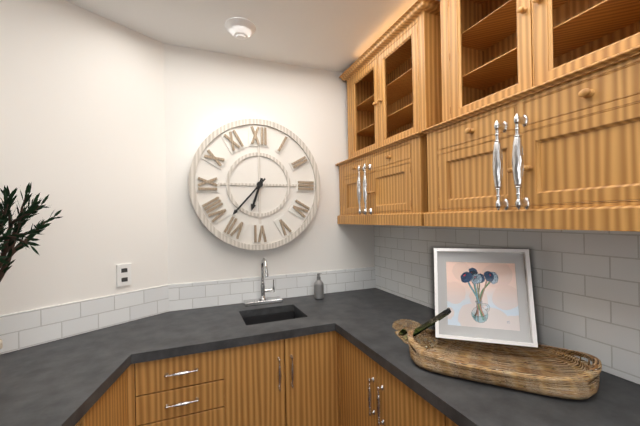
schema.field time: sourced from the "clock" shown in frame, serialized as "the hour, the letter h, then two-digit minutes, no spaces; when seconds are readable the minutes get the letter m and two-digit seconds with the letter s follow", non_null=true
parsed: 6h37
